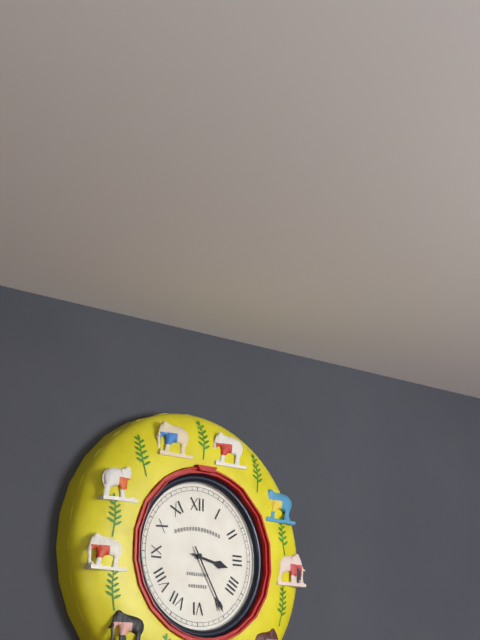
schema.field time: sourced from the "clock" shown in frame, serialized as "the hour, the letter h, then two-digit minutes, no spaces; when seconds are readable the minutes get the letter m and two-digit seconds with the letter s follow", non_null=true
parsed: 3h25
